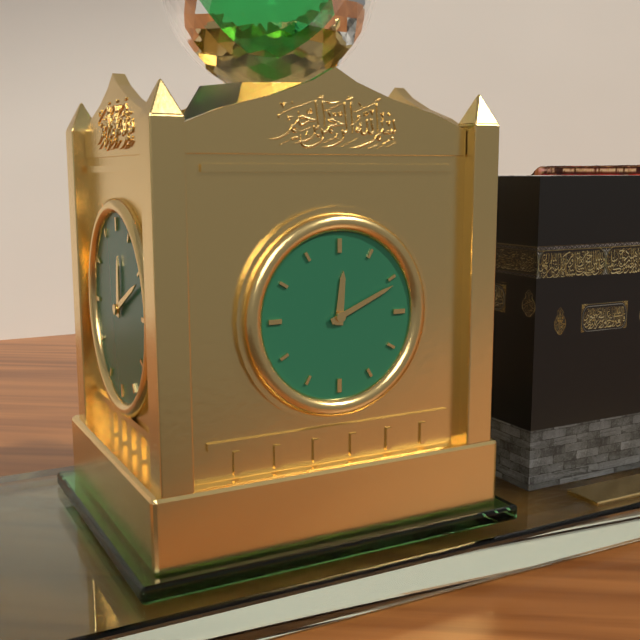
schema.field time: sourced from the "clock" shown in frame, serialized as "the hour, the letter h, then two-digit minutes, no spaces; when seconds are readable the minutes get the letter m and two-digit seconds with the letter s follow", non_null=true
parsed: 12h11
